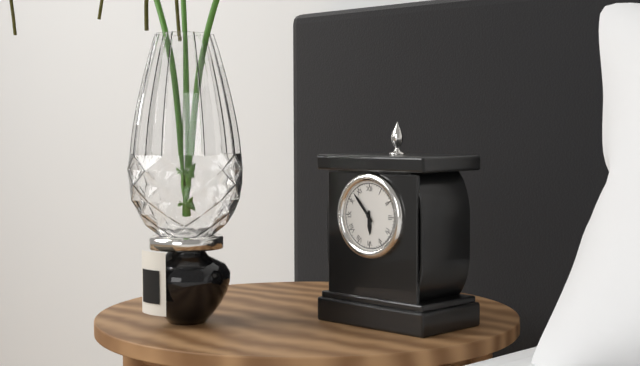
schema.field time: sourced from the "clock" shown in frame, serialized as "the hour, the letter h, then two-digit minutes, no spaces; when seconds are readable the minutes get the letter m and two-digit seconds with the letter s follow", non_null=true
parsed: 5h53
